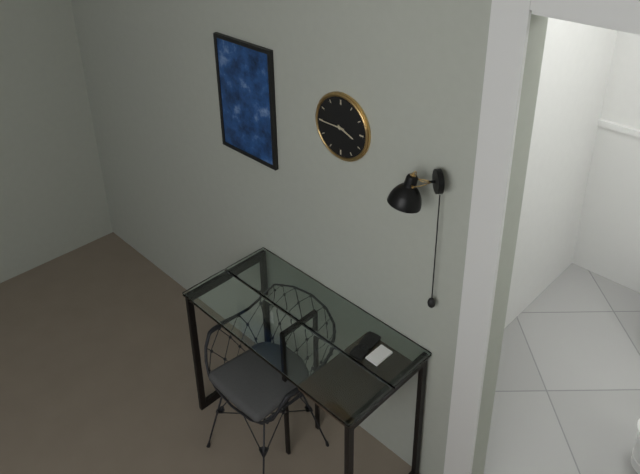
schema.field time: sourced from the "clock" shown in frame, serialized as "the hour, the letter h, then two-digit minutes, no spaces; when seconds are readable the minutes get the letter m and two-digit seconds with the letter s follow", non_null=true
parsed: 3h45
